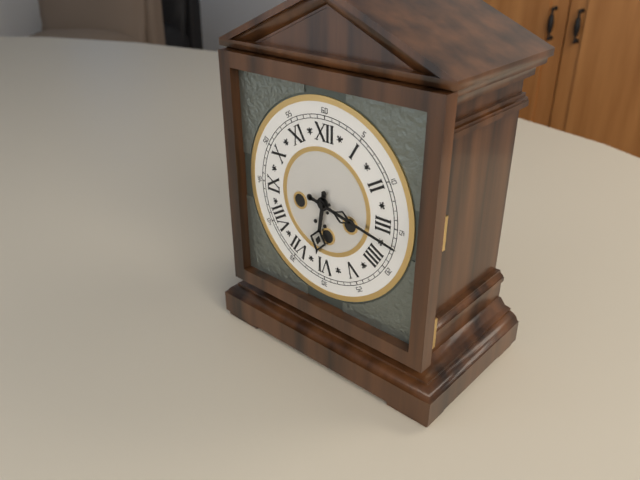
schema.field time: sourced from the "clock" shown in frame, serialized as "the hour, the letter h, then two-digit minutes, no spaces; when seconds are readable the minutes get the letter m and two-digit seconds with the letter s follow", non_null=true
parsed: 6h17
